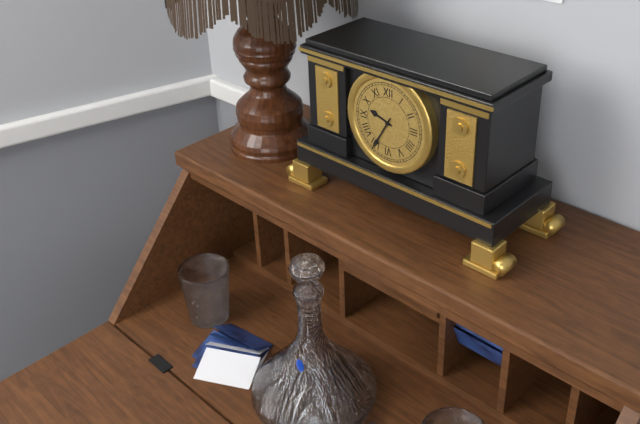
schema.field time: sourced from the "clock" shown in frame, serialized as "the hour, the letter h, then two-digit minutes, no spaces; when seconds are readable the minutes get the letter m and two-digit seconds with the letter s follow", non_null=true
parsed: 9h35
